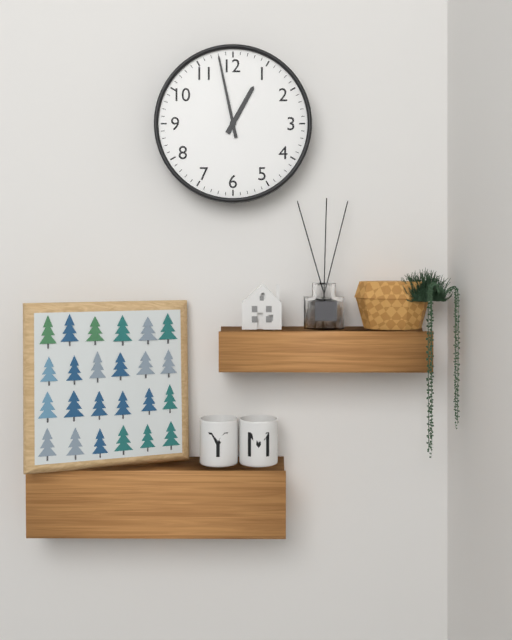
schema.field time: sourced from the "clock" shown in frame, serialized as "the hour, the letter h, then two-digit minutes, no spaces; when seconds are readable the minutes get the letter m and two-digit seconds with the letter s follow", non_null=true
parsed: 12h58
